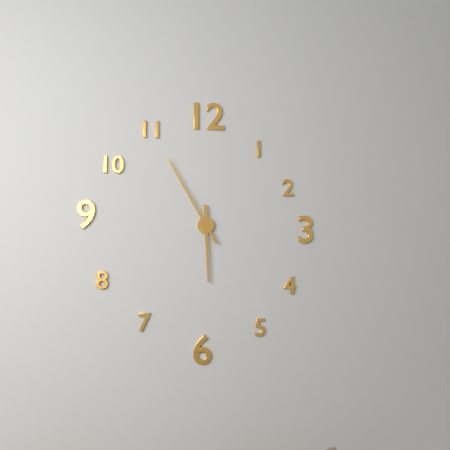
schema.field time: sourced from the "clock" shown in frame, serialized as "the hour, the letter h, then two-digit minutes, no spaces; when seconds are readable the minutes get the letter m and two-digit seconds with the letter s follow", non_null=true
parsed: 5h55
